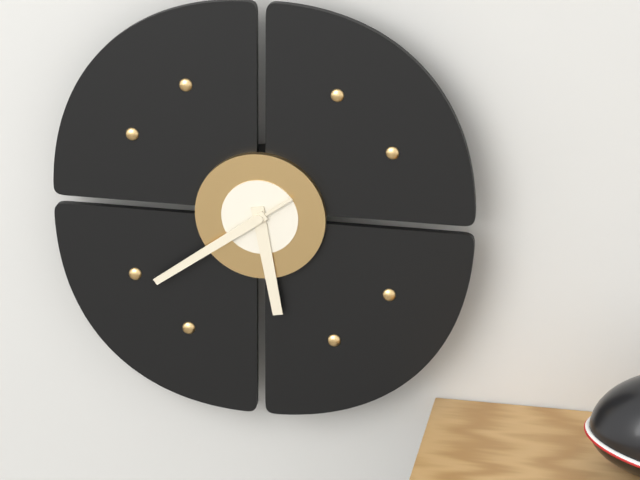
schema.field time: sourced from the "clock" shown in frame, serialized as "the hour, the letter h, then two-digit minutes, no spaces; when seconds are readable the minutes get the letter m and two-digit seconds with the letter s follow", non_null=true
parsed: 5h39
